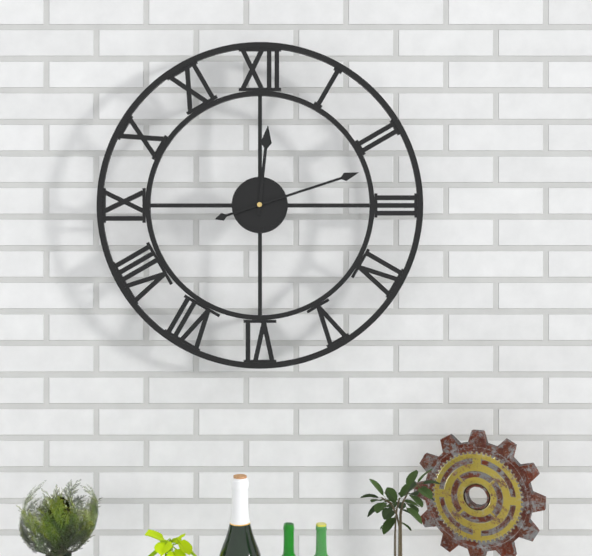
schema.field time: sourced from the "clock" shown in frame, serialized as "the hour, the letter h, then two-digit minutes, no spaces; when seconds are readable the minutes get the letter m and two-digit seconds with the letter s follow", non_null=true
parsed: 12h12
